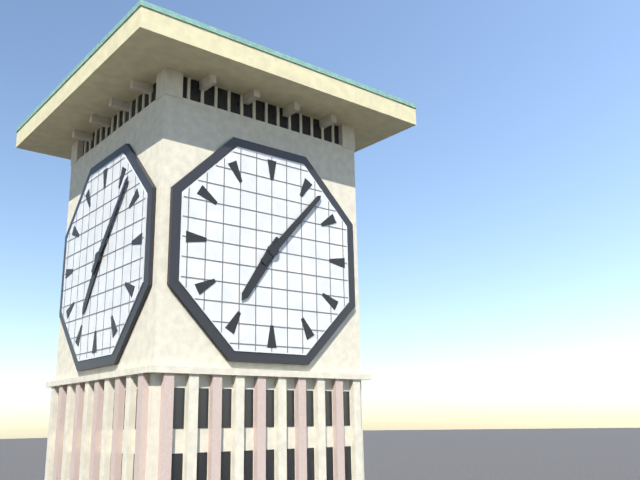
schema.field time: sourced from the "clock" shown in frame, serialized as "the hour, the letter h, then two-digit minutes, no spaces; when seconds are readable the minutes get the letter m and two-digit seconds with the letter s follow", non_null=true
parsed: 7h07
